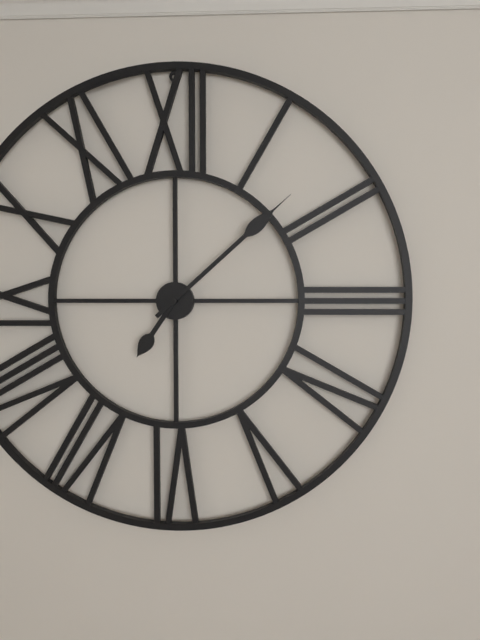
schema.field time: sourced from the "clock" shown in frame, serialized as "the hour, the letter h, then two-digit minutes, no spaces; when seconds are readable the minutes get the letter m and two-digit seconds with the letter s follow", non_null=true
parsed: 7h08
